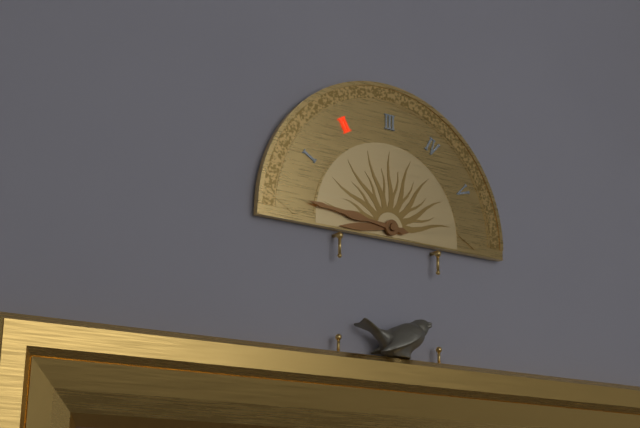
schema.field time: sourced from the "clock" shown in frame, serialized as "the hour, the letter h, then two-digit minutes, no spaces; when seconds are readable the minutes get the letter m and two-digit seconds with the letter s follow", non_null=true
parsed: 8h46
